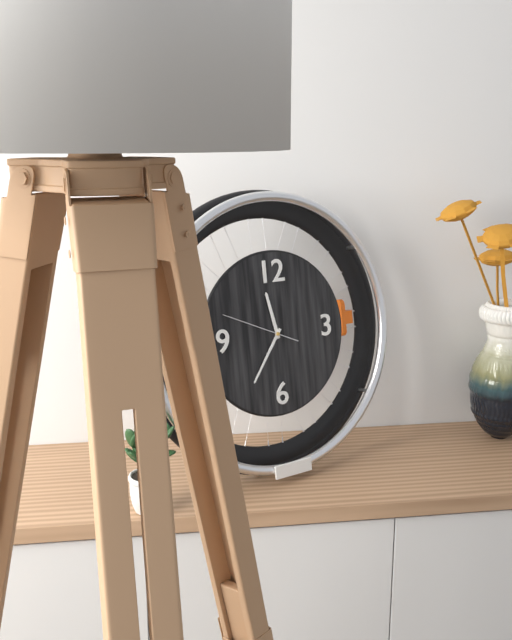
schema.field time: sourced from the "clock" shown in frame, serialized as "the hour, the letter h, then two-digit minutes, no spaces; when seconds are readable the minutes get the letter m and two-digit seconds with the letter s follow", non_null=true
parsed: 11h36m49s
